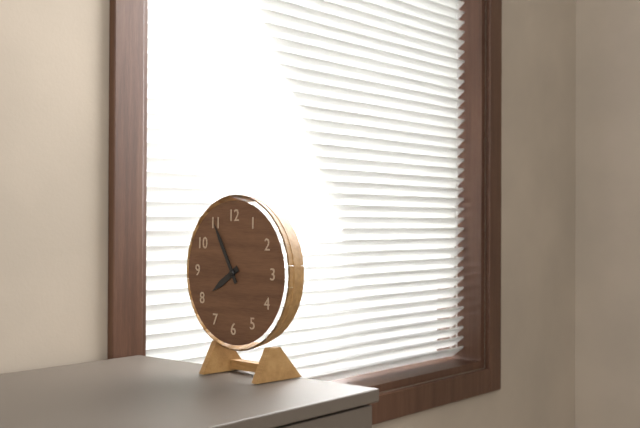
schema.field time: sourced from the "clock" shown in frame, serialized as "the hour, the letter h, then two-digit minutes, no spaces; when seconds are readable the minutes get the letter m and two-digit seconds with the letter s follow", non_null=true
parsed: 7h55
